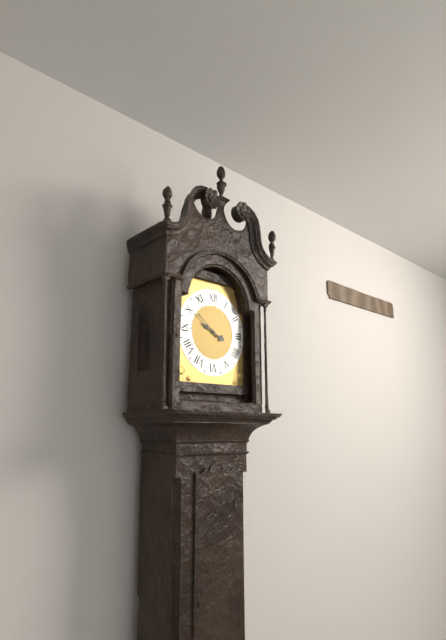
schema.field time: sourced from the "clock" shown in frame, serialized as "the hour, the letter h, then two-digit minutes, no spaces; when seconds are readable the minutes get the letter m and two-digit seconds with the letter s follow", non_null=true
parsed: 9h51
